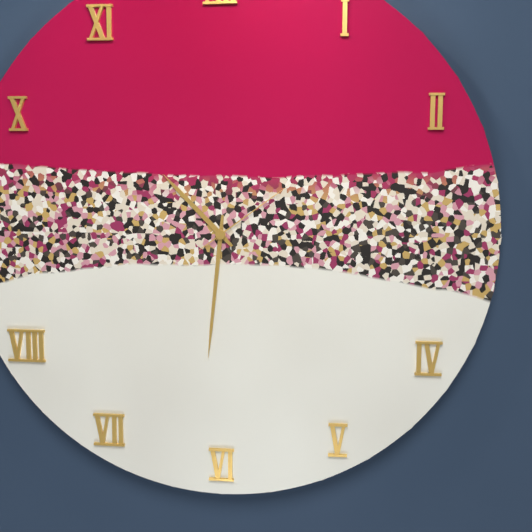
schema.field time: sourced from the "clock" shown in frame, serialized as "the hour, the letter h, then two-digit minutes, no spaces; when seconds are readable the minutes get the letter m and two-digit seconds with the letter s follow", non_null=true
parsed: 10h31m09s
